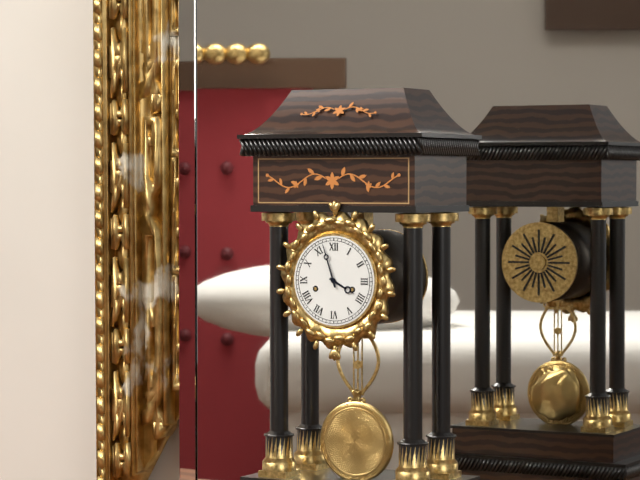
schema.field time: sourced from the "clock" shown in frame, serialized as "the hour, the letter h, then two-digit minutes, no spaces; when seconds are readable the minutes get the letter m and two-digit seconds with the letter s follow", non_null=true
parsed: 3h57
